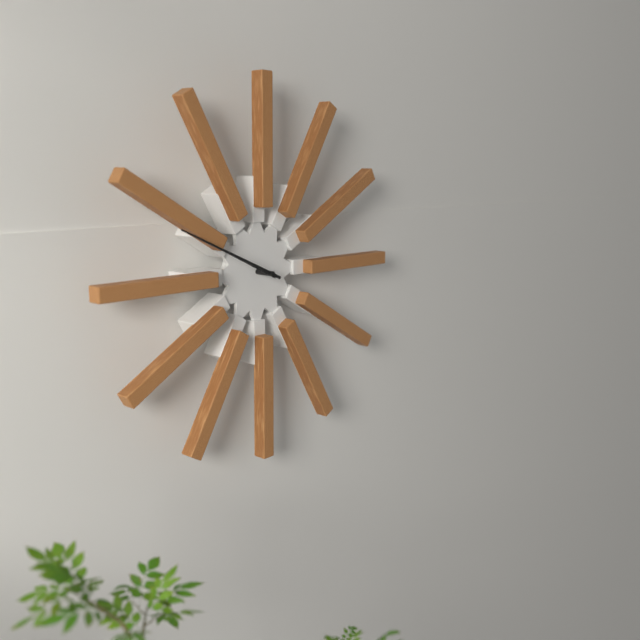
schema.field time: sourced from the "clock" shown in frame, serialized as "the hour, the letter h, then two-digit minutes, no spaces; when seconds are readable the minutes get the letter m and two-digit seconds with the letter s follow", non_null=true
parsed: 9h49
